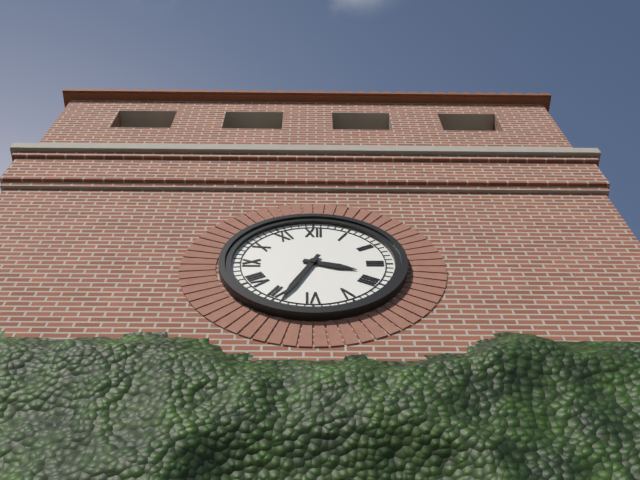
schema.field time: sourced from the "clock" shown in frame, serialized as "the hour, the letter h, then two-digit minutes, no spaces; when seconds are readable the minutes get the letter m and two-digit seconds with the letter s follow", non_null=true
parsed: 3h34
